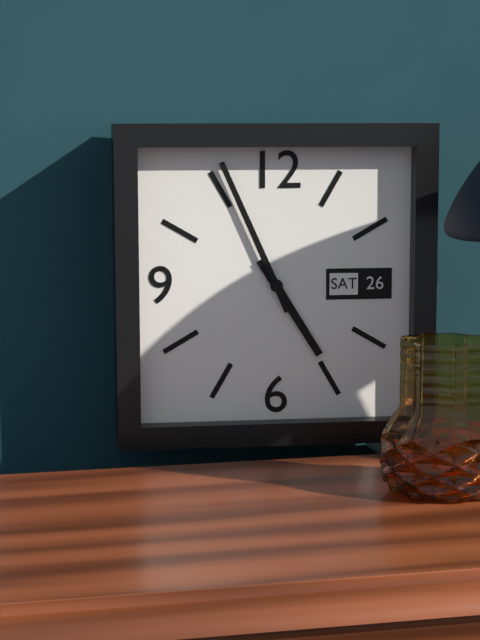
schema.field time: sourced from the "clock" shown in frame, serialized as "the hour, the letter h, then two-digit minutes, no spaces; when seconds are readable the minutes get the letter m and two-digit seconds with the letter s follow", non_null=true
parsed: 4h56
